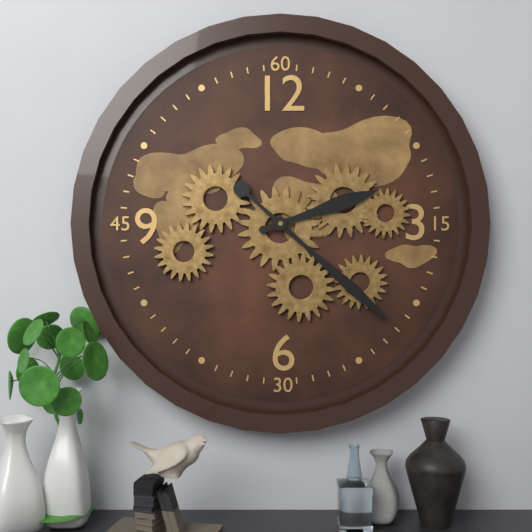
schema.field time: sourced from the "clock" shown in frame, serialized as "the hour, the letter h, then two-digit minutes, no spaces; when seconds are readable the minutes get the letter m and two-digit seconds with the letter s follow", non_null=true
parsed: 2h22
